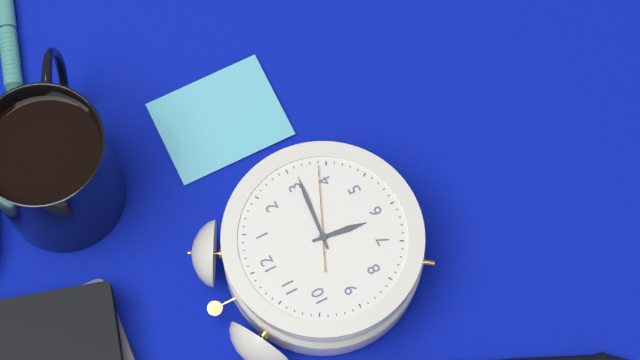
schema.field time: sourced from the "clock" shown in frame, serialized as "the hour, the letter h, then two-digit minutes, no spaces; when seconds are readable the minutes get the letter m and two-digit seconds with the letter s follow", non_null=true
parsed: 6h16m19s
